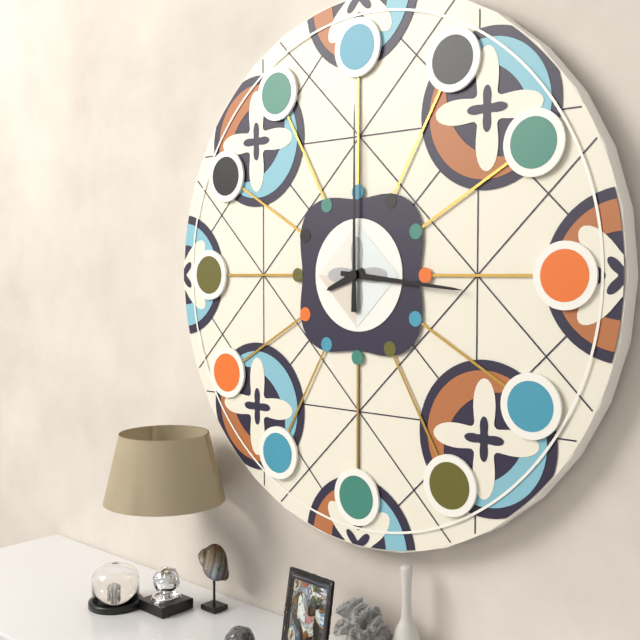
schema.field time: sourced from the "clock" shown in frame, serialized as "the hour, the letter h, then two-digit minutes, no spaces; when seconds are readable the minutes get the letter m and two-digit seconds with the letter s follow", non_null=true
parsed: 8h16m00s
